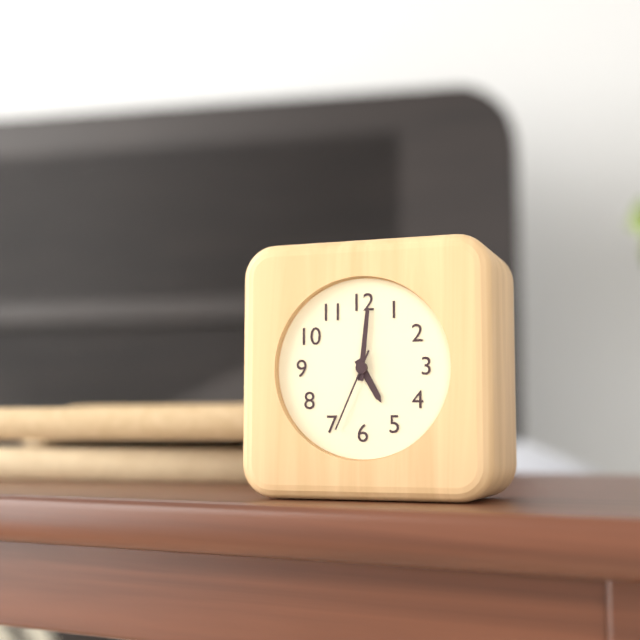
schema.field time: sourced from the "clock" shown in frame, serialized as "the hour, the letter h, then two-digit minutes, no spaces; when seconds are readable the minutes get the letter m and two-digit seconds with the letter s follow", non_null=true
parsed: 5h01m34s
